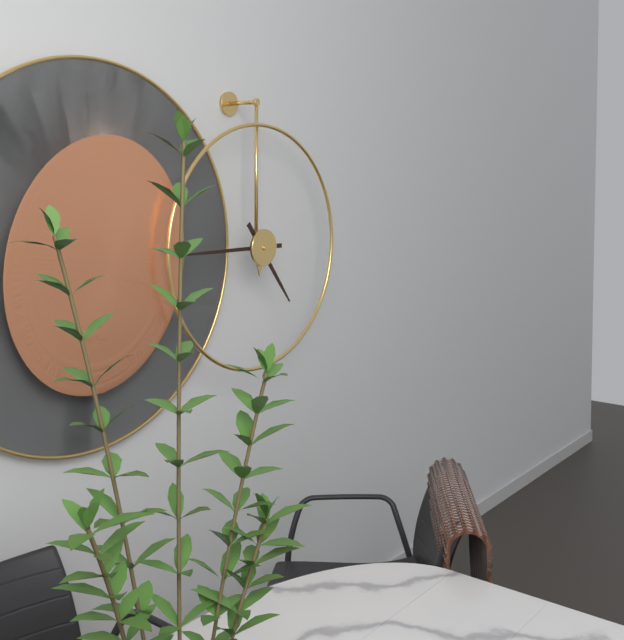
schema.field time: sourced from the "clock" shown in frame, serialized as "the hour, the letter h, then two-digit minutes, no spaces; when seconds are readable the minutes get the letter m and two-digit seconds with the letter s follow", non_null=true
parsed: 4h45
